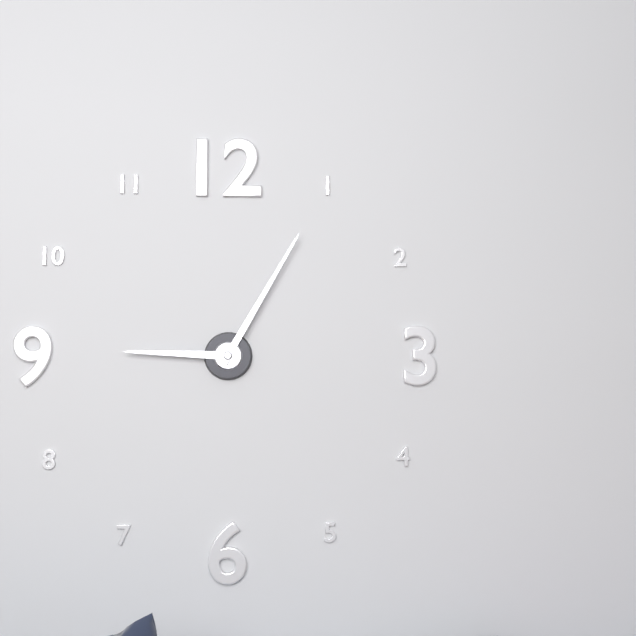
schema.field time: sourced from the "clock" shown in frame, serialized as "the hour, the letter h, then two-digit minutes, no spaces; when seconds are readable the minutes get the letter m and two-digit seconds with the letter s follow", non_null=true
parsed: 9h05
